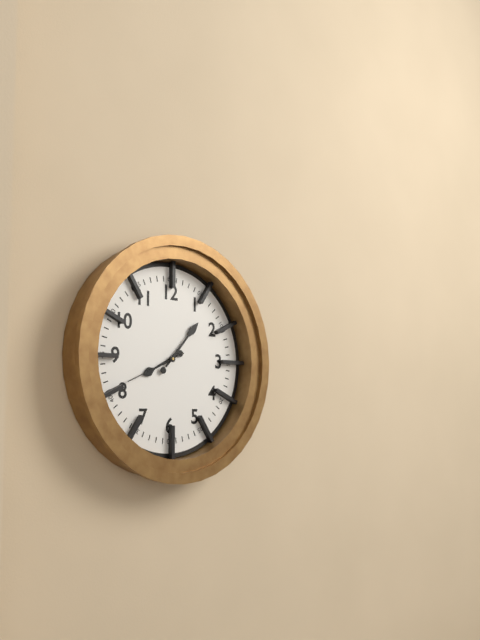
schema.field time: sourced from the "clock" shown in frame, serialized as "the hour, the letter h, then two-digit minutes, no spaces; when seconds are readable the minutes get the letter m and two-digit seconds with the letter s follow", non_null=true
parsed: 8h07m41s
